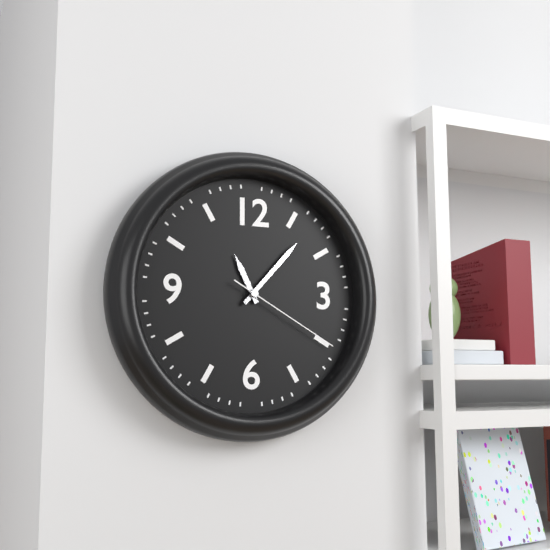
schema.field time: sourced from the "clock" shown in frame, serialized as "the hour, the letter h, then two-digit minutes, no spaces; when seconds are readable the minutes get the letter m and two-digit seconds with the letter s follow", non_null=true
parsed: 11h07m20s
